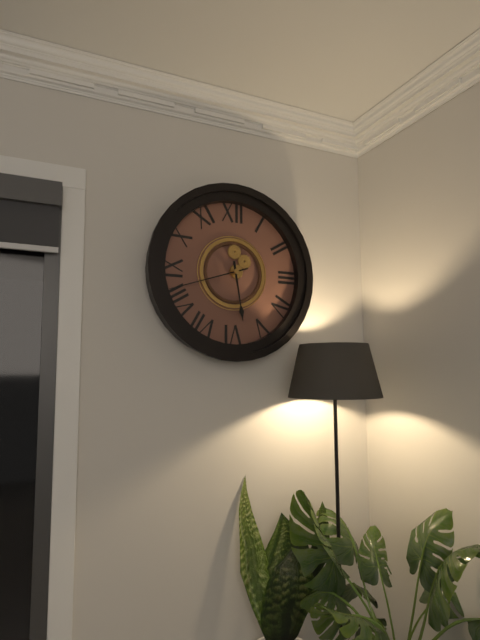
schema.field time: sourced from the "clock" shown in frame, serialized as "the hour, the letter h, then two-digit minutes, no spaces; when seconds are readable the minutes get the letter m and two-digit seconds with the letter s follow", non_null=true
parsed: 5h42
